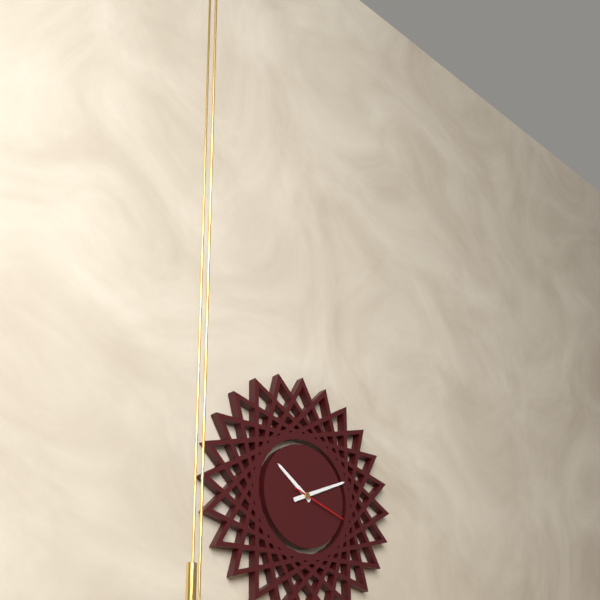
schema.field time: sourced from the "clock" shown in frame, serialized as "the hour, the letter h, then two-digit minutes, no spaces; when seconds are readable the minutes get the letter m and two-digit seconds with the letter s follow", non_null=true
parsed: 10h11m18s
